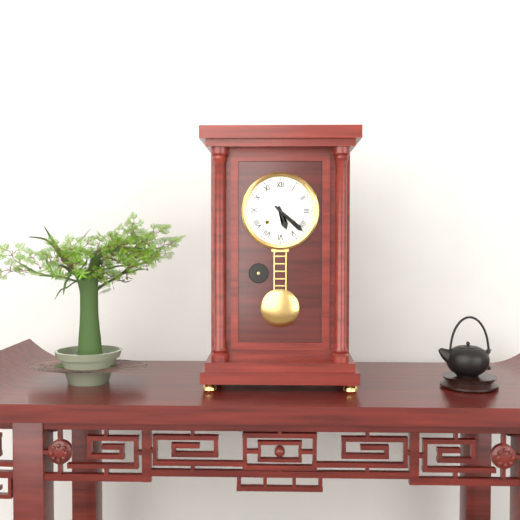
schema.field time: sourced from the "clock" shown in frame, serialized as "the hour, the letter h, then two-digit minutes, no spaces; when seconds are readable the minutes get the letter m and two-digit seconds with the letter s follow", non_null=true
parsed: 5h22
